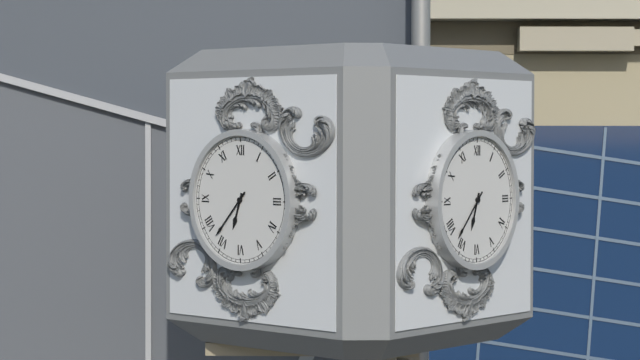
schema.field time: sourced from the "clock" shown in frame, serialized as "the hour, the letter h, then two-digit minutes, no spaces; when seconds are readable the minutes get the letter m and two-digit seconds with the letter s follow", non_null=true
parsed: 6h37
